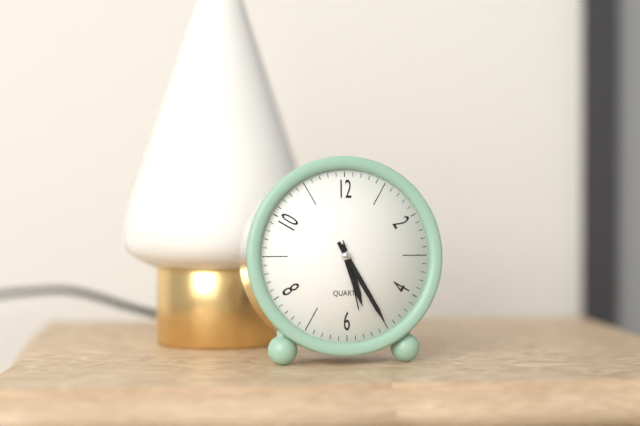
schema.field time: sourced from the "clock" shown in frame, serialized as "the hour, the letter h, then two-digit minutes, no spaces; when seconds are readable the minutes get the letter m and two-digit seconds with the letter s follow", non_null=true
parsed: 5h25m28s
